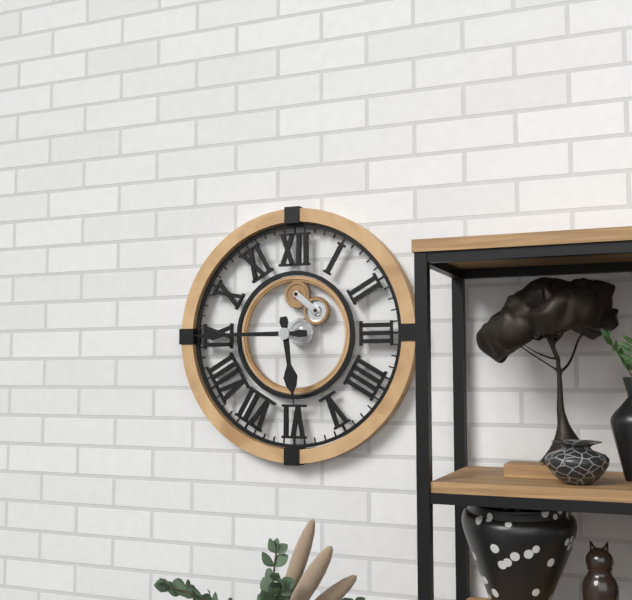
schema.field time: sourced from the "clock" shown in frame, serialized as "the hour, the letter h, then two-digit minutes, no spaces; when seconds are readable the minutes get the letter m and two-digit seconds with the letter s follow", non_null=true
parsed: 5h45
